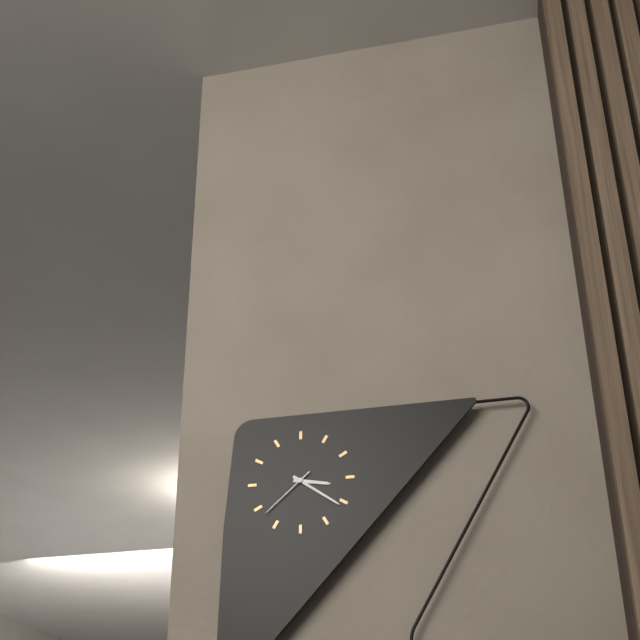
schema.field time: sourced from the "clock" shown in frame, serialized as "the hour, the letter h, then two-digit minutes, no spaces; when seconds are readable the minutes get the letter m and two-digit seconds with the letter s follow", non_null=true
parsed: 3h21m38s
